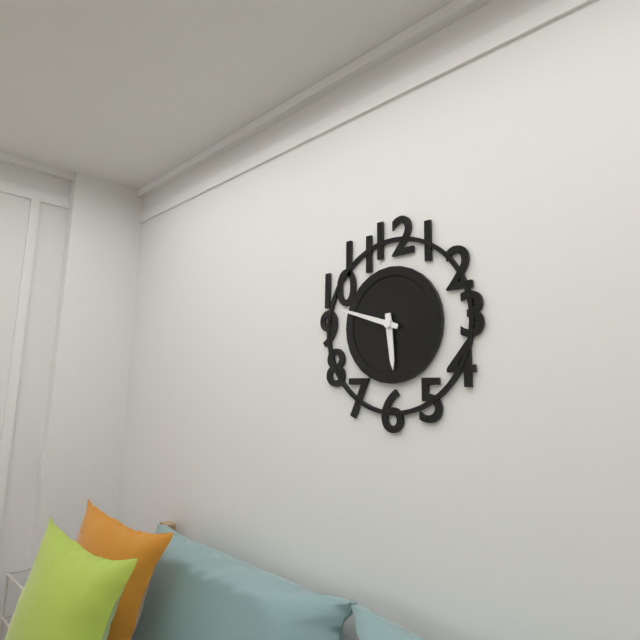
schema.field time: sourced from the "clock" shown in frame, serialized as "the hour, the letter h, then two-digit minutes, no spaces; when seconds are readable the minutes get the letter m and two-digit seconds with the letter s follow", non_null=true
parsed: 5h48
